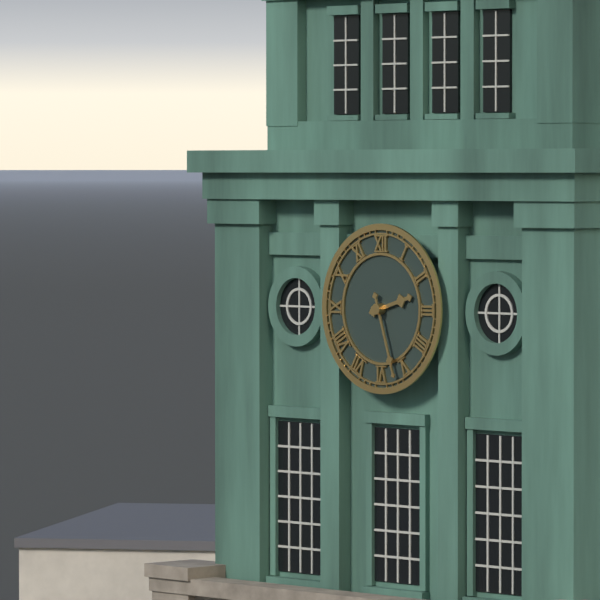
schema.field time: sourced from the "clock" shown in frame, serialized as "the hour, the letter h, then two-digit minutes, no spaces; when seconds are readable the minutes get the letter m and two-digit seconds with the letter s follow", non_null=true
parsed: 2h27
